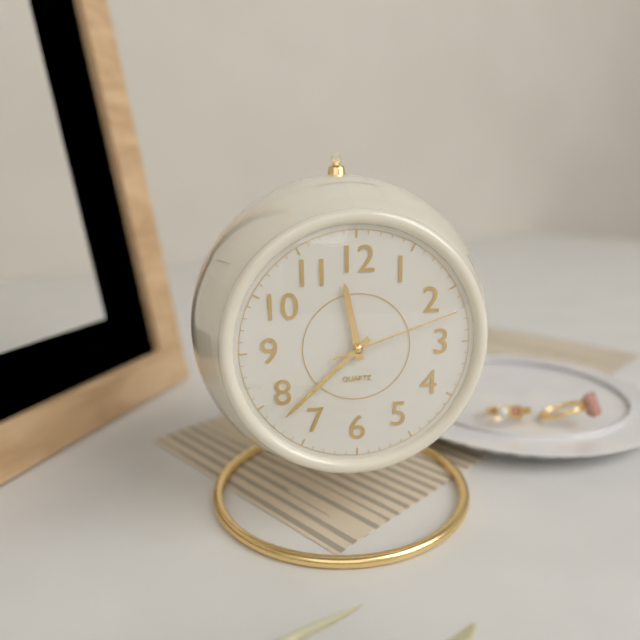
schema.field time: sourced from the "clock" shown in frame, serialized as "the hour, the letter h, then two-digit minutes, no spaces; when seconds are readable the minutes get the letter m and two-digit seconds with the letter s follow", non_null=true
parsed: 11h38m12s
